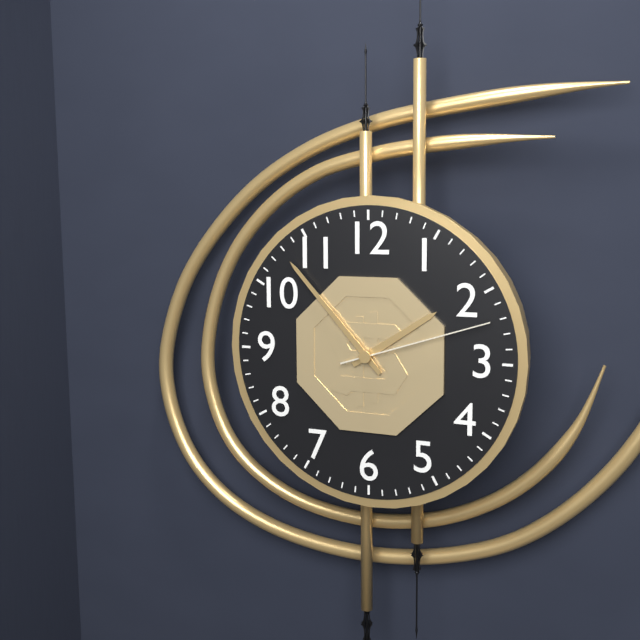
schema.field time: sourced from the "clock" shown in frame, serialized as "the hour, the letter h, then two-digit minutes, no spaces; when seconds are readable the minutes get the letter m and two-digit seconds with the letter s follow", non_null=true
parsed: 1h53m12s
